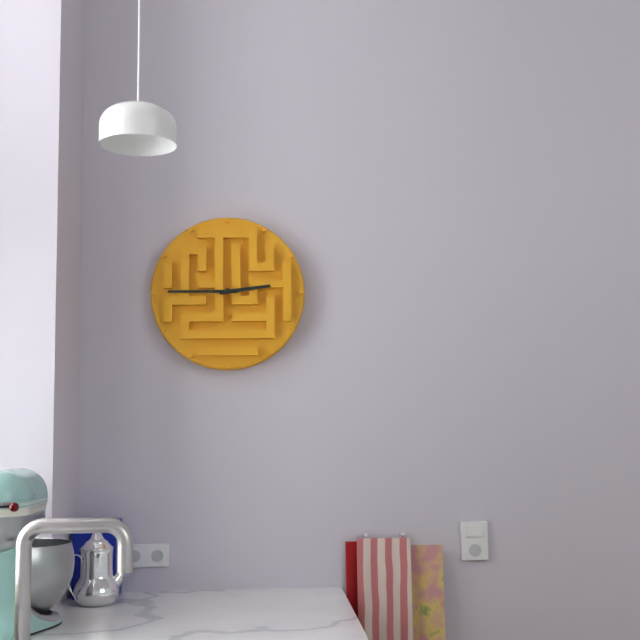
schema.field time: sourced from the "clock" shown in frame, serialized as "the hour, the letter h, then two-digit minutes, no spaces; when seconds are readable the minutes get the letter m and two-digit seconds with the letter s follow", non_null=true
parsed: 2h45
